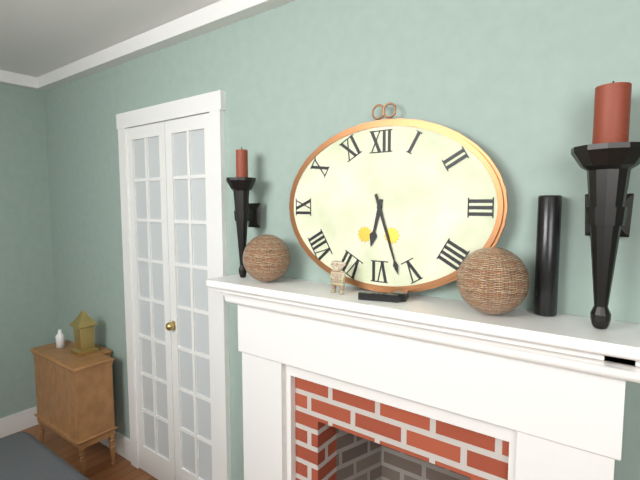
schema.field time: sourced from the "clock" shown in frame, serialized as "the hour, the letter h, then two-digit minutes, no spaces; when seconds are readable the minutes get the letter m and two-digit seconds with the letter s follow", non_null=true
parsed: 6h27
